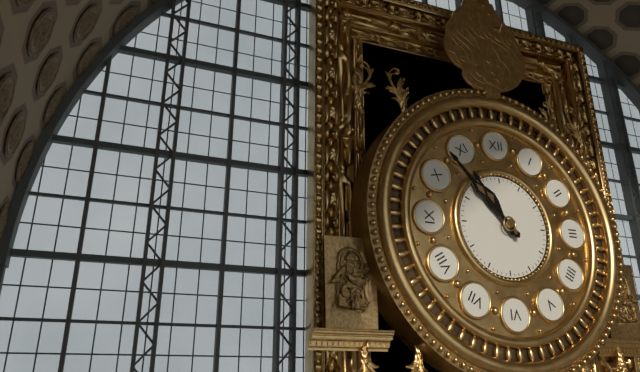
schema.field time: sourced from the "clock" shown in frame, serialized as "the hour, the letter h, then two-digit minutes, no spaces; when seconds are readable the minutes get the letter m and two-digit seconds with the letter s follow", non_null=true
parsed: 10h53
